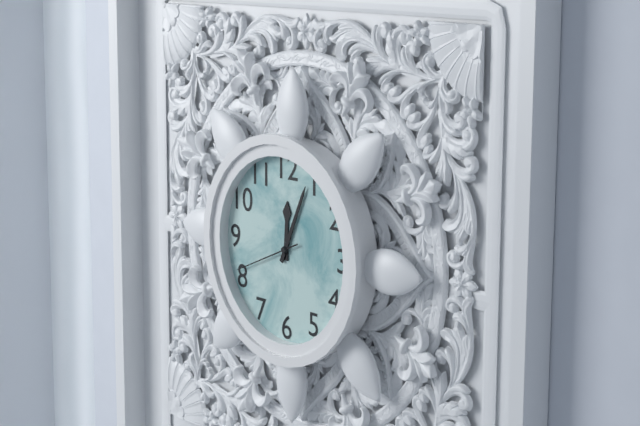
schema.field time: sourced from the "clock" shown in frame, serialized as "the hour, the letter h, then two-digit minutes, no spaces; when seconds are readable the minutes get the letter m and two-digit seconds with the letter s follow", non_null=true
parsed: 12h04m41s
